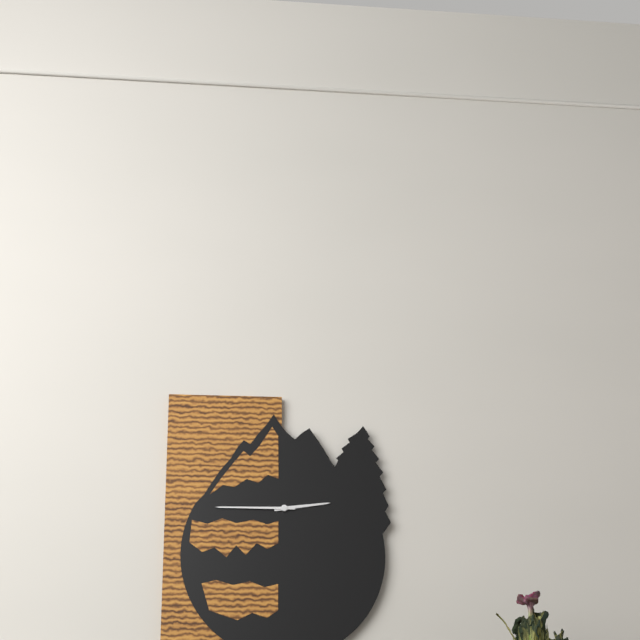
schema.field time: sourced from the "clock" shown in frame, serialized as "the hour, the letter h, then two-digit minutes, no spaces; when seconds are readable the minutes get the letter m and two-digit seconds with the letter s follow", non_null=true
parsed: 2h45
